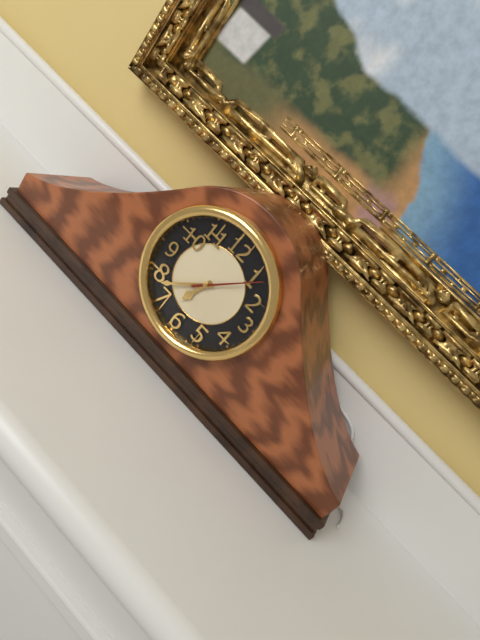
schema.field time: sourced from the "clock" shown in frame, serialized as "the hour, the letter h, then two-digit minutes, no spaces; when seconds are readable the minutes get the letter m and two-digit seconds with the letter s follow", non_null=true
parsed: 6h38m07s
